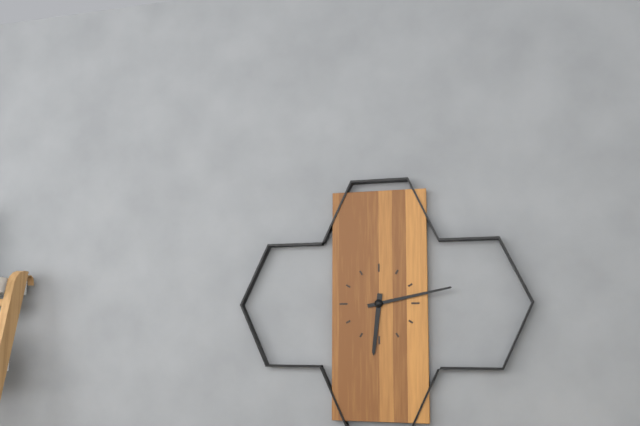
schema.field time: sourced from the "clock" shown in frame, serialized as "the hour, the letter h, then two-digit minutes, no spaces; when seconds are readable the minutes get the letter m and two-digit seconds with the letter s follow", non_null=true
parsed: 6h13
